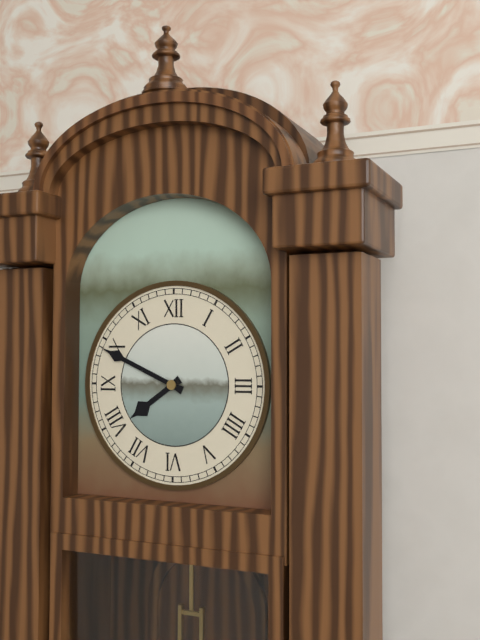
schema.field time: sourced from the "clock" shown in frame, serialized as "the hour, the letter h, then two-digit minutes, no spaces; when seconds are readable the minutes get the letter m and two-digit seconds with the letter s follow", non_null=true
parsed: 7h49
